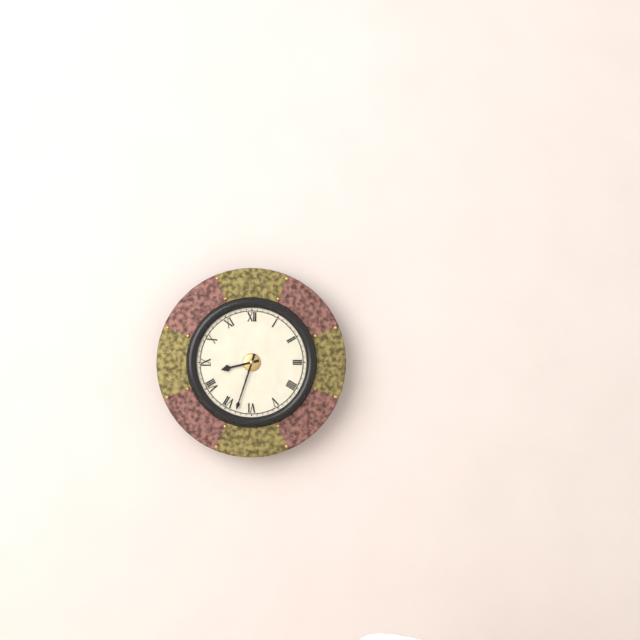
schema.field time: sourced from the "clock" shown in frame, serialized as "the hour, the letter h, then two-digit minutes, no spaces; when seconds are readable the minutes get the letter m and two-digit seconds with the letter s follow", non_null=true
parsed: 8h33
